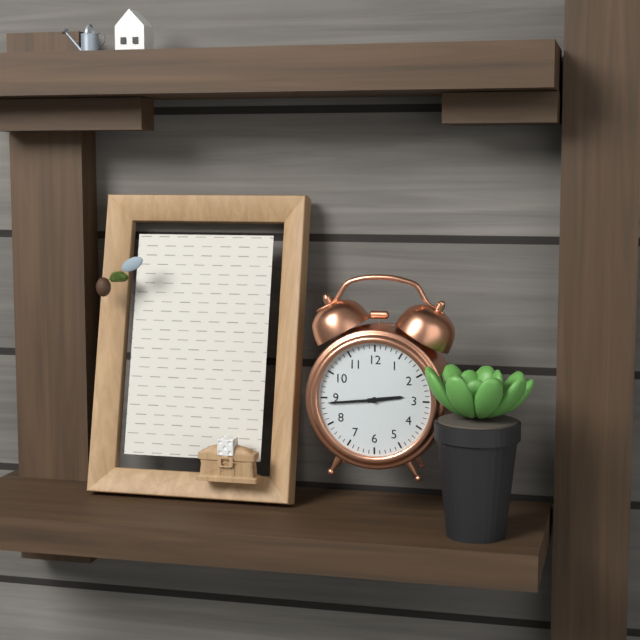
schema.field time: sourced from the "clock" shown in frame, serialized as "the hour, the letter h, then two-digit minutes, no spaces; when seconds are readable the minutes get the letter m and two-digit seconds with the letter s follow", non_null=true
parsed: 2h44
